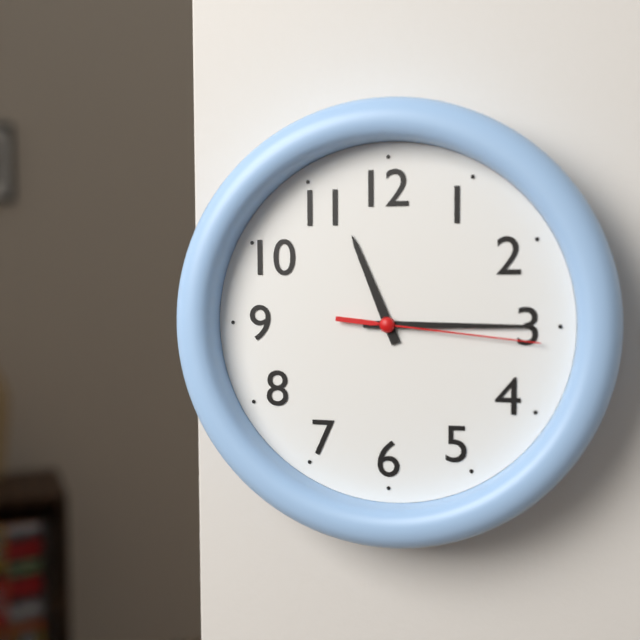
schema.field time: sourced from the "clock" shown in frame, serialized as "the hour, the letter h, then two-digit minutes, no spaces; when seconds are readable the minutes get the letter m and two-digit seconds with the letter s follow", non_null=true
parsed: 11h15m16s
